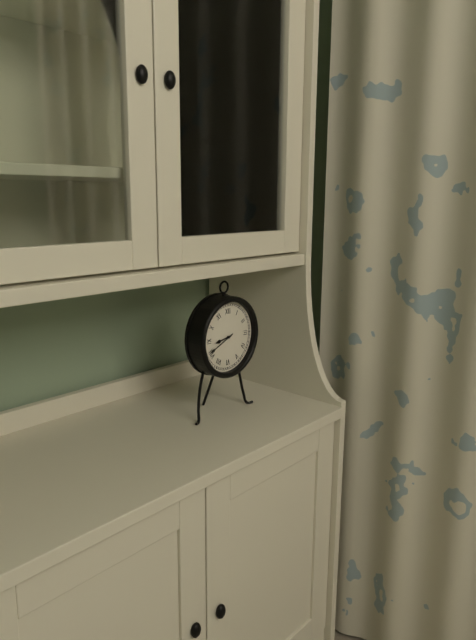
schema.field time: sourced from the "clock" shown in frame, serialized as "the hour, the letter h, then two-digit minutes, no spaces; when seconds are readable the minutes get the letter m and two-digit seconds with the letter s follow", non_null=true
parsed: 8h41
